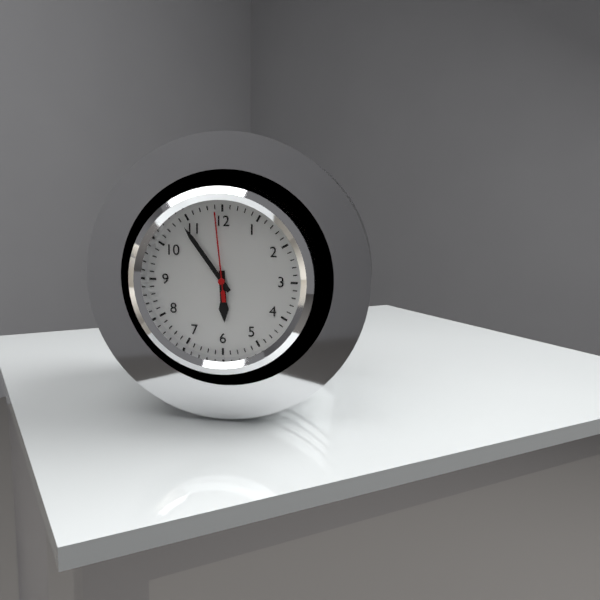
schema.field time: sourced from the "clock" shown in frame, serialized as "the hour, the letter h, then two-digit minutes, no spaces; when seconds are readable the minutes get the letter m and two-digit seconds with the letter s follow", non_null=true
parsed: 5h54m59s
